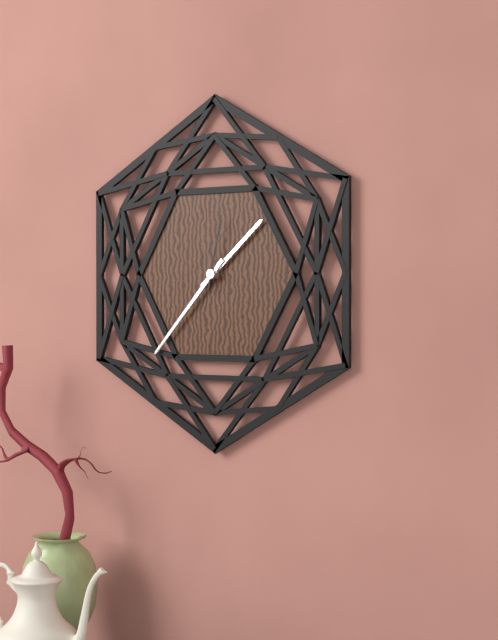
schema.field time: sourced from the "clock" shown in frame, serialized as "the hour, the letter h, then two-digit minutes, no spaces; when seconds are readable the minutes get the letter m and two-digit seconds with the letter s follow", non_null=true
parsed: 1h37m02s
